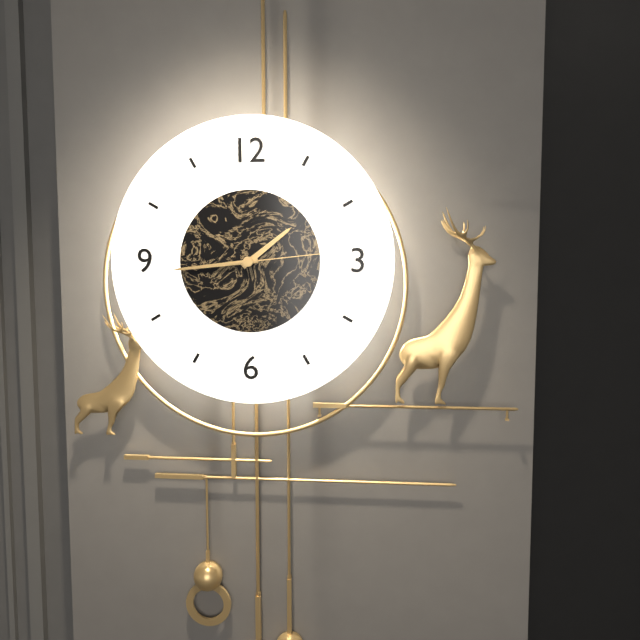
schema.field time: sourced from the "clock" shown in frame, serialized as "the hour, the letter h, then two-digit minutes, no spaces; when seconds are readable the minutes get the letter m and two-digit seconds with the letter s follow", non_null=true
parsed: 1h44m14s
